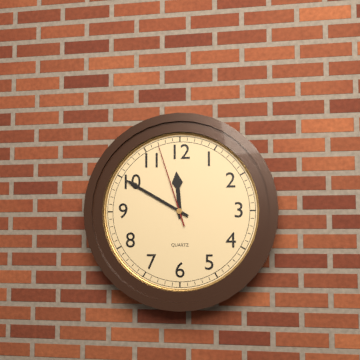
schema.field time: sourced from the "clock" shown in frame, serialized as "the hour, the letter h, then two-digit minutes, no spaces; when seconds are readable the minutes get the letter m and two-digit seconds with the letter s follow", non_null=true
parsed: 11h50m57s
